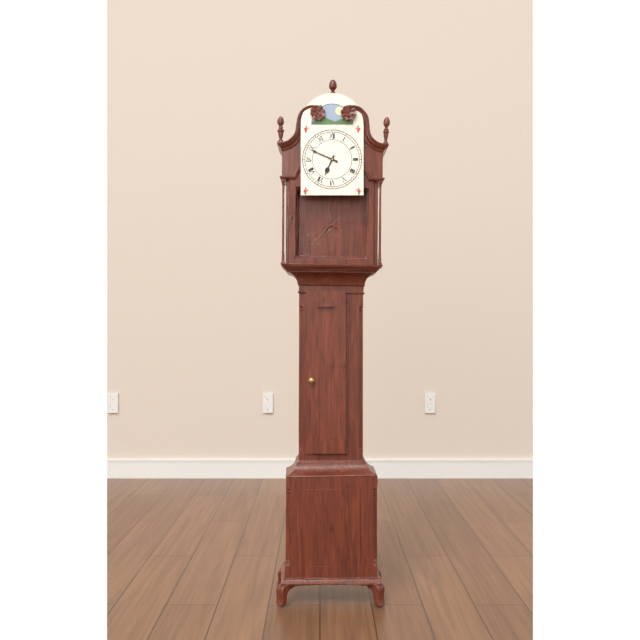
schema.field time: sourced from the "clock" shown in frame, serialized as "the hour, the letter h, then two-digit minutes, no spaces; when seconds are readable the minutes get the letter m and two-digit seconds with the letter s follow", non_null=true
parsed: 6h49
